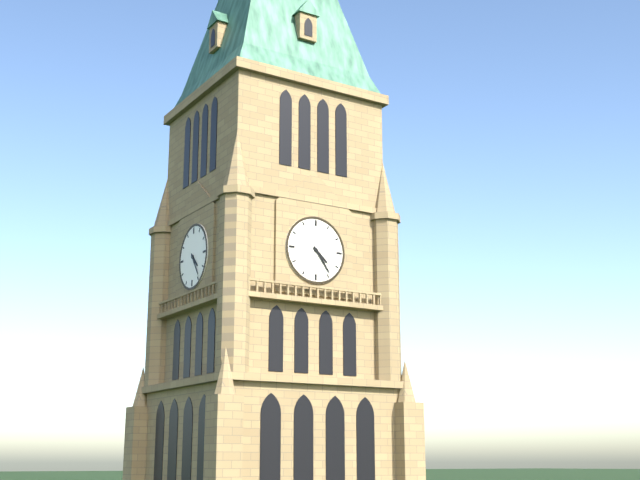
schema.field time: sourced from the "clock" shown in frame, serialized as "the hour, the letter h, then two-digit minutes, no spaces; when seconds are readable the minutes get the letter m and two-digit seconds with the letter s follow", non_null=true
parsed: 4h24
